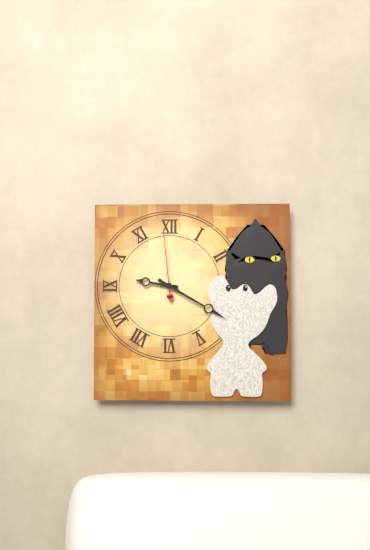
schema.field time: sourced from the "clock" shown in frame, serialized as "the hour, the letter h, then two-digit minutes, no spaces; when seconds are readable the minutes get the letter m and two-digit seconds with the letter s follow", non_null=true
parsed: 9h20m59s
